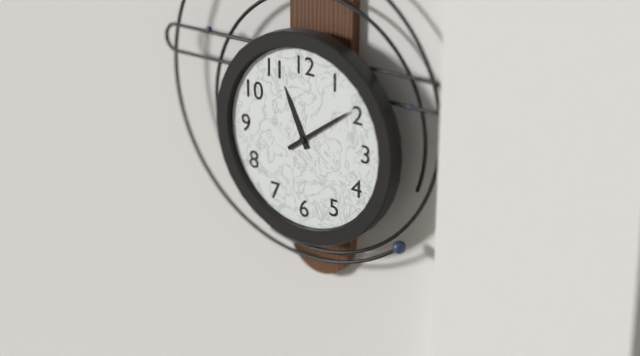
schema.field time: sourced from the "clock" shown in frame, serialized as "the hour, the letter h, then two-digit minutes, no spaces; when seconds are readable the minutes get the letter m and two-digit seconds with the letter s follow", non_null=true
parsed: 11h09
